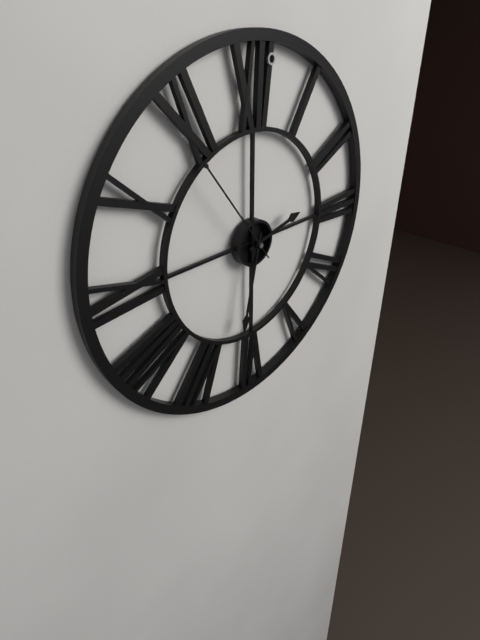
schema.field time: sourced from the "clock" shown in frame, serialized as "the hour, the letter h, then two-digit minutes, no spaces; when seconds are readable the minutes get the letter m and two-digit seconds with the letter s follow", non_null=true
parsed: 2h32m54s
